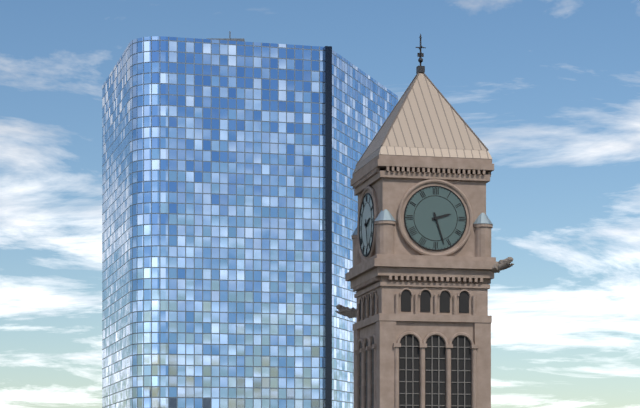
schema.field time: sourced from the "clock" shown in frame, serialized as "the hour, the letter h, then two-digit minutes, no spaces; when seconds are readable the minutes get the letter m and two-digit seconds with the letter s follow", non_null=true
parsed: 2h27
